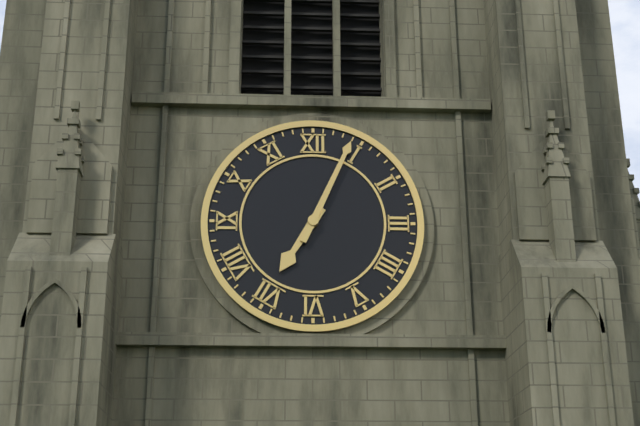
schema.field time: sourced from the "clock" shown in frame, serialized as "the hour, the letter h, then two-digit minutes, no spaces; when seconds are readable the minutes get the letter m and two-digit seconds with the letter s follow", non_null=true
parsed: 7h04
